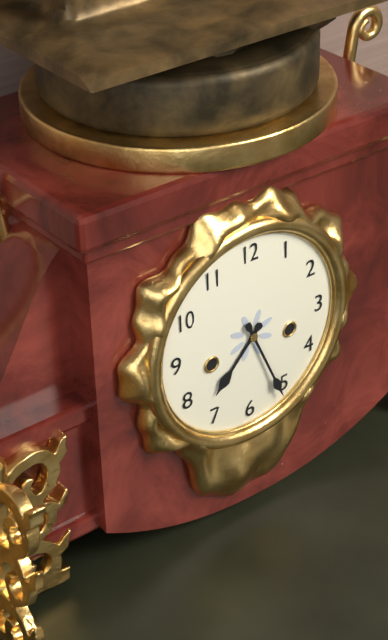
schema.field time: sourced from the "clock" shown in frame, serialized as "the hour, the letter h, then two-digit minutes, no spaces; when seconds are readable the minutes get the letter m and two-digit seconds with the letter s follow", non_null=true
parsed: 7h26
